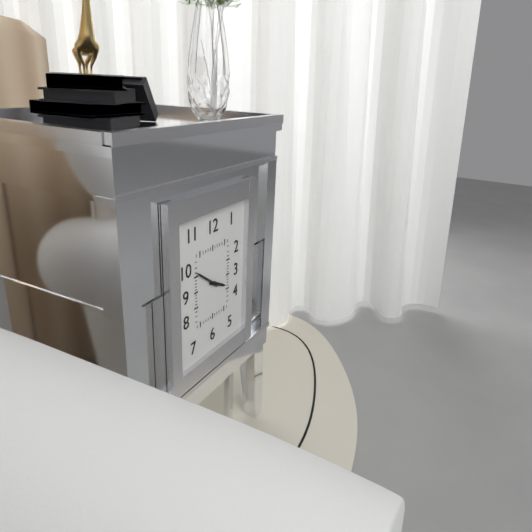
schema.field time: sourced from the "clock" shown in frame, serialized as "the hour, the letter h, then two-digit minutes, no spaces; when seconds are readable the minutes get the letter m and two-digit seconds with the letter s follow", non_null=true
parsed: 3h51
